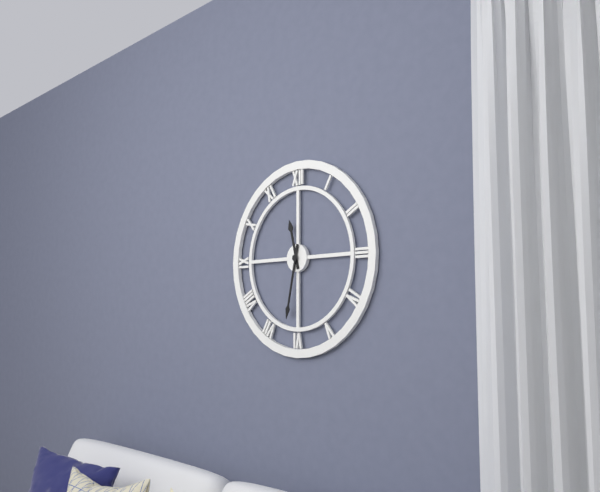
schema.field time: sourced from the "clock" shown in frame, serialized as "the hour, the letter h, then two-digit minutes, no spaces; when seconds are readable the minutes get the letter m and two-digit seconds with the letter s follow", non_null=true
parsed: 11h32
